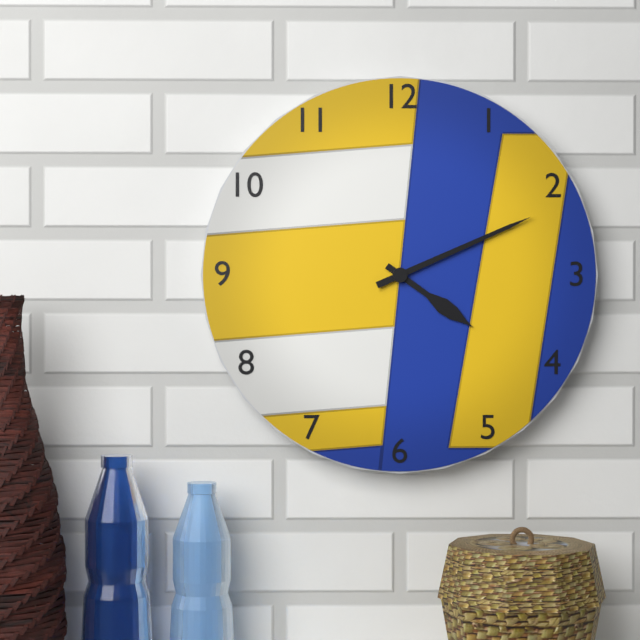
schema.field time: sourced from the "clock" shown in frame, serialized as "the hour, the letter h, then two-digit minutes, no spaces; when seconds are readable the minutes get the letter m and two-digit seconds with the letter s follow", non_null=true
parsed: 4h11
